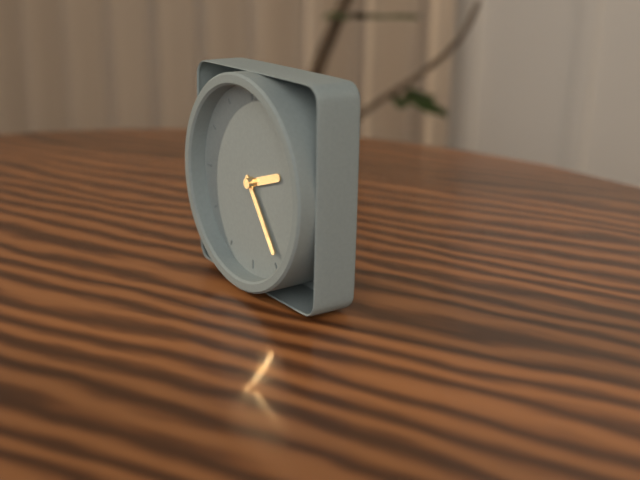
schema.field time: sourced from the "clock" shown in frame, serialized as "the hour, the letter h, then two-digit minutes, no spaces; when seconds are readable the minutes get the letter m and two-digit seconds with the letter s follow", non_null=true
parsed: 2h24
